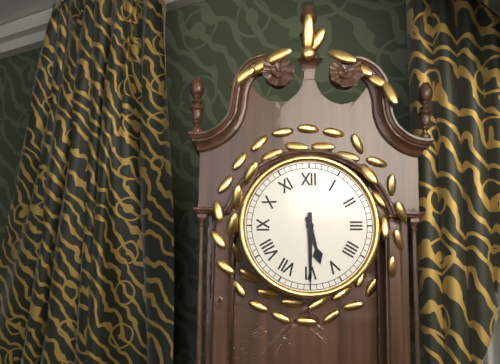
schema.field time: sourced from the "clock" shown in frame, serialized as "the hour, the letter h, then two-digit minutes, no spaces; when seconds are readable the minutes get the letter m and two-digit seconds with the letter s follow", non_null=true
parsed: 5h30
